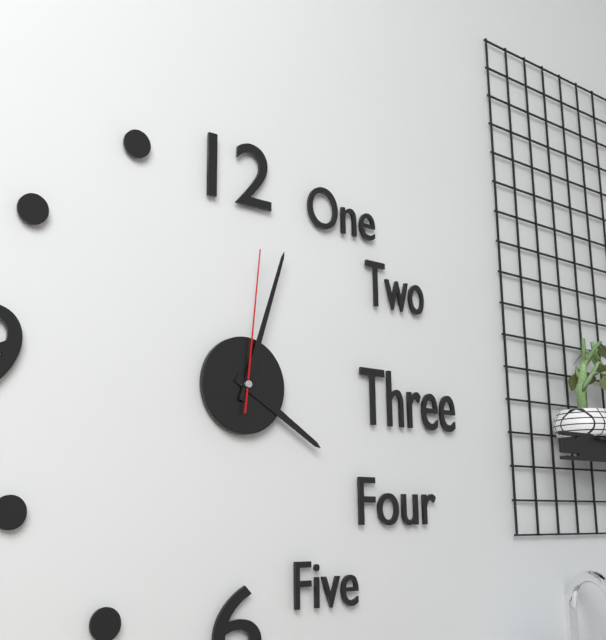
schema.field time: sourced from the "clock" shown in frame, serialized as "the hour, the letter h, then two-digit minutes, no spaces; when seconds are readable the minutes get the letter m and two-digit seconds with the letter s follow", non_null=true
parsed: 4h03m01s
